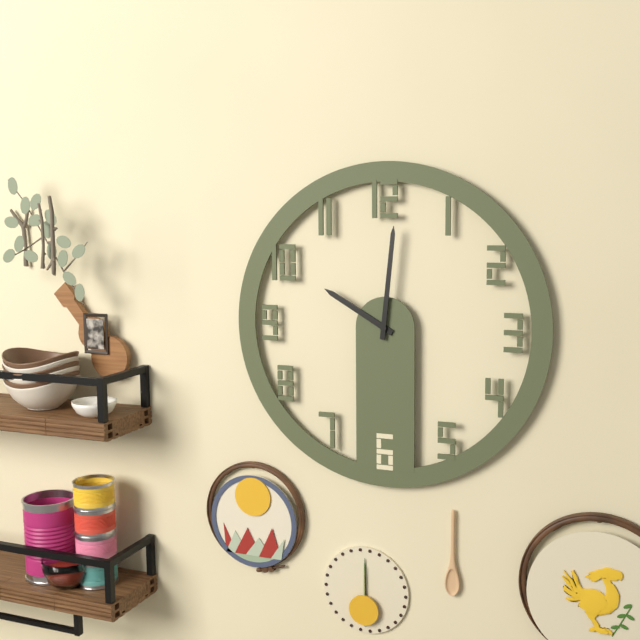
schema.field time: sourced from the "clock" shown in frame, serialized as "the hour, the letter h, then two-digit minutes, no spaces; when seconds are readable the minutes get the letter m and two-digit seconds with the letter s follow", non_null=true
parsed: 10h01
